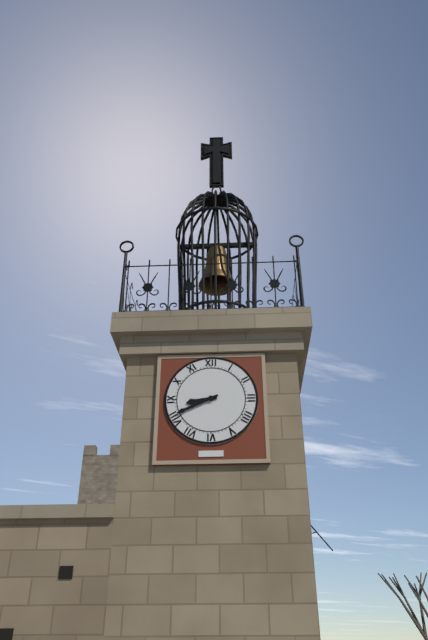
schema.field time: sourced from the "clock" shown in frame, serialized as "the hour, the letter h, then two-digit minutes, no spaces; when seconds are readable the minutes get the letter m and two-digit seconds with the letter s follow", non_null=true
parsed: 8h41
